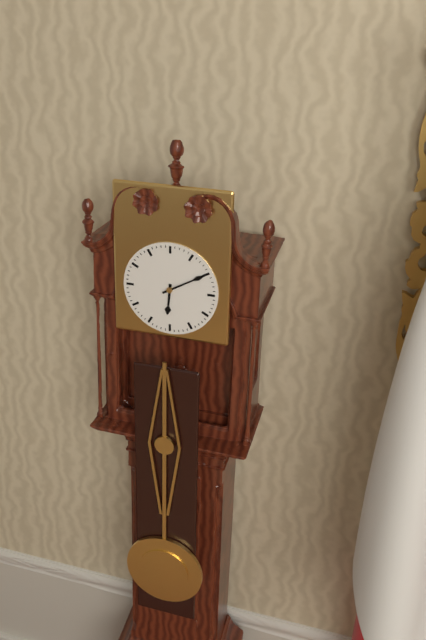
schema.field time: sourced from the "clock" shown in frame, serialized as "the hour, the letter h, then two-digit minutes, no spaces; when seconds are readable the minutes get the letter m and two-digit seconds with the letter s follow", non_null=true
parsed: 6h10
